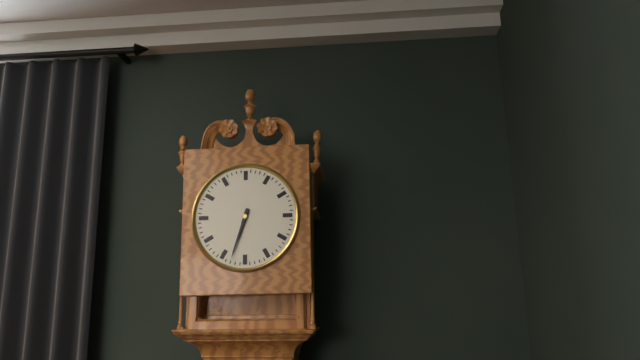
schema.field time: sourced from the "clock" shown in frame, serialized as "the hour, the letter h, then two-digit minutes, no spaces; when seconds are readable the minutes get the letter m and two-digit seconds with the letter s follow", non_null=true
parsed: 6h33
